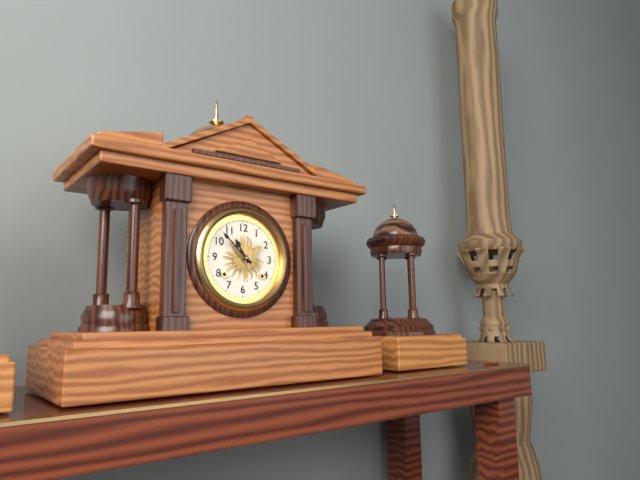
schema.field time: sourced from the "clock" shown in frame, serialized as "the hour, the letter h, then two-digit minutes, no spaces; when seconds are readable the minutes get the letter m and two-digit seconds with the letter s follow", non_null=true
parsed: 10h52
